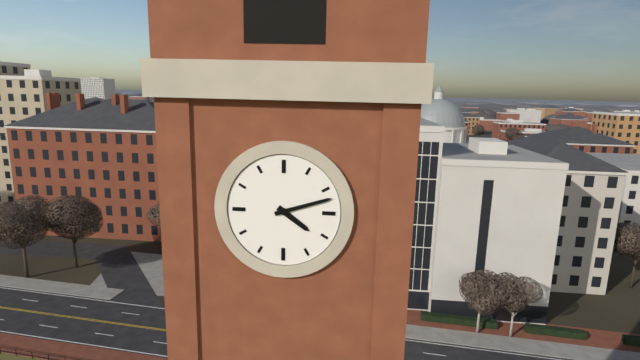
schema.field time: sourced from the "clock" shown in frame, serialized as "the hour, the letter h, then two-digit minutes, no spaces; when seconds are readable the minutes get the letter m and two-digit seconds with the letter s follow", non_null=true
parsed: 4h12
